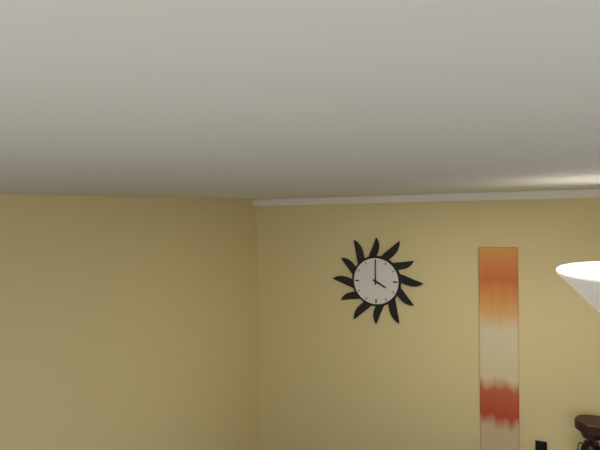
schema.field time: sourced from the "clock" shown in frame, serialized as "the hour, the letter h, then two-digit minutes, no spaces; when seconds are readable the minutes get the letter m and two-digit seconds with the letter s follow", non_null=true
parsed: 4h00
